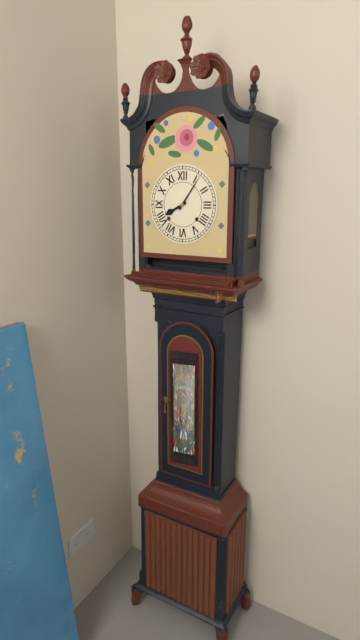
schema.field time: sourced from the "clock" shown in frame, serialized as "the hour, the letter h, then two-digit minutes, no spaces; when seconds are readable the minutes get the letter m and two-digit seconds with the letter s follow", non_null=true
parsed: 8h06
